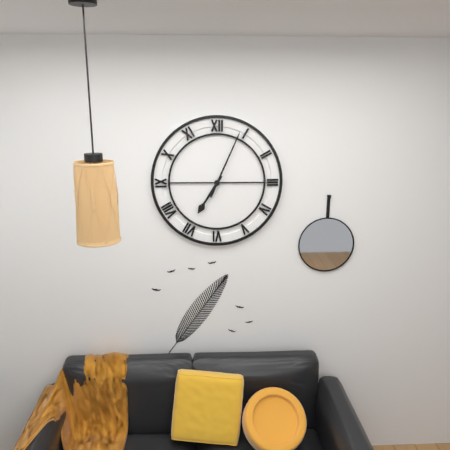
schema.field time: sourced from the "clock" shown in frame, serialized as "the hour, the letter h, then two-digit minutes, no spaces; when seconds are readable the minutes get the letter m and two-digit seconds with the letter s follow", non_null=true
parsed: 7h04
